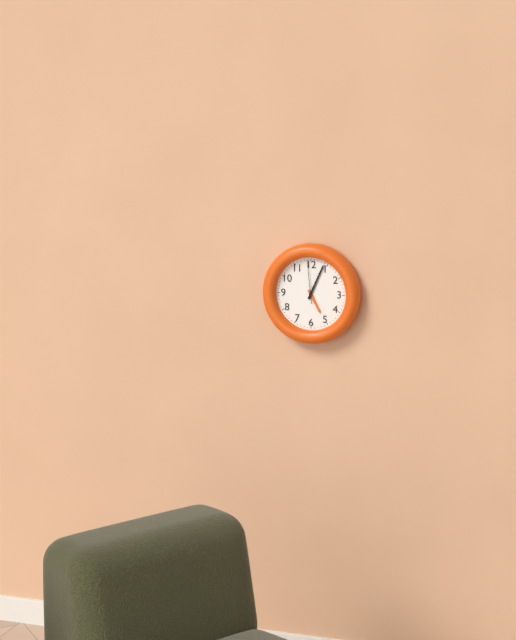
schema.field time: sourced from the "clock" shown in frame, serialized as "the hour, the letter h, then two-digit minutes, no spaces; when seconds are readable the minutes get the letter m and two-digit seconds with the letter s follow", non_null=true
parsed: 5h04
